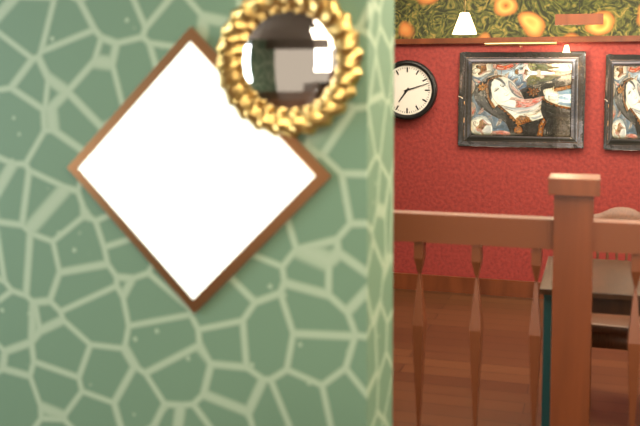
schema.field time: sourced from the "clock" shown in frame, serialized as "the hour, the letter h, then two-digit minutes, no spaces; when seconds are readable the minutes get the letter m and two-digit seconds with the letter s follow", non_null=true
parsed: 7h12
